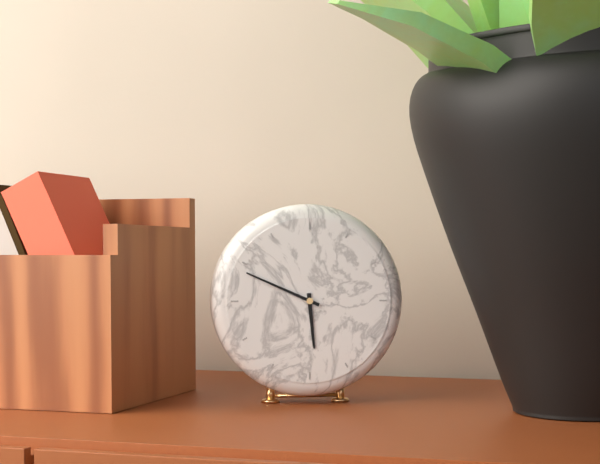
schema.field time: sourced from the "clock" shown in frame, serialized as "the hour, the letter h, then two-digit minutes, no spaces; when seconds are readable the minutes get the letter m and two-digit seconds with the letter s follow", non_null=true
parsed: 5h49
